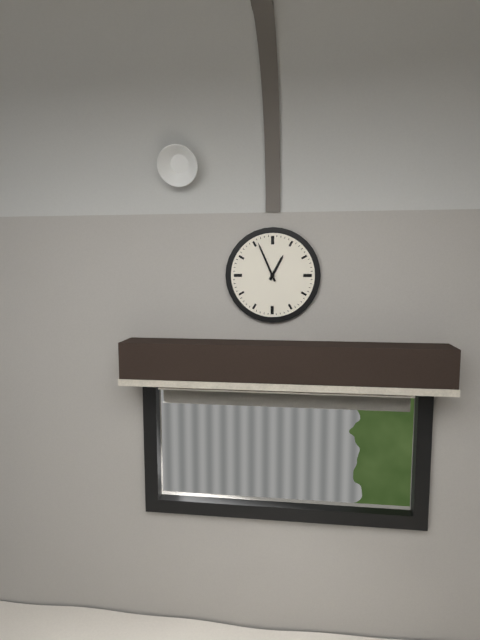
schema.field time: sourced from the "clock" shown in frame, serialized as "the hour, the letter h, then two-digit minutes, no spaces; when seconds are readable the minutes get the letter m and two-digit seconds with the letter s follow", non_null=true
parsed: 12h56
